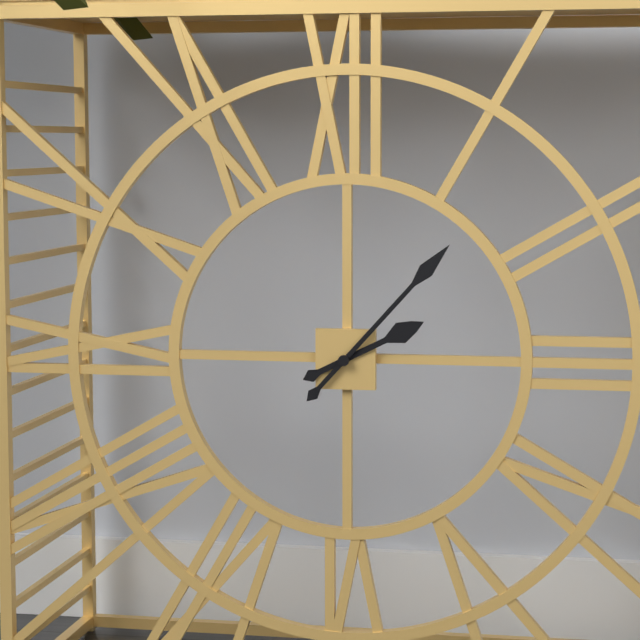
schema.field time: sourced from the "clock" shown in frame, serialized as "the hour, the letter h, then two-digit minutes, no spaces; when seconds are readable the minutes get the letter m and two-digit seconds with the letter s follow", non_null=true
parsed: 2h07
